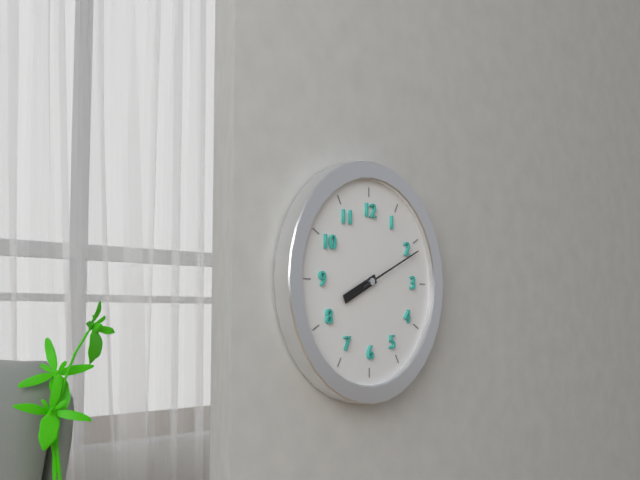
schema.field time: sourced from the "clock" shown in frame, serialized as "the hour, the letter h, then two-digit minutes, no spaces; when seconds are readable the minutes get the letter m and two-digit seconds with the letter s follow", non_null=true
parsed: 8h11
